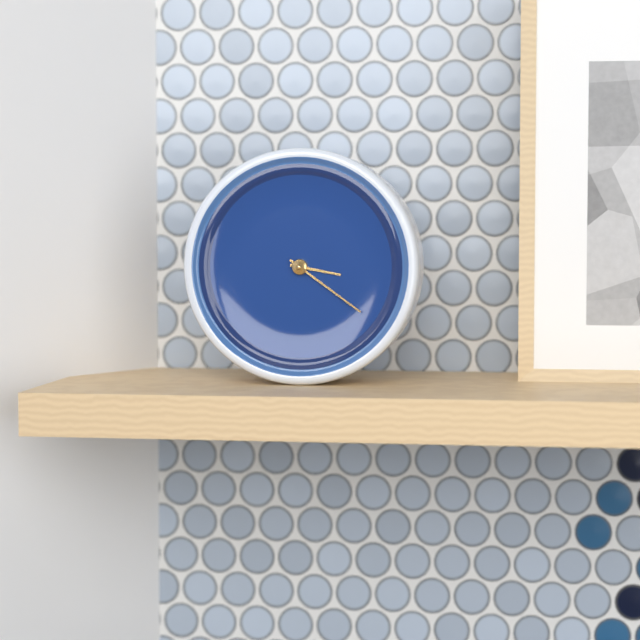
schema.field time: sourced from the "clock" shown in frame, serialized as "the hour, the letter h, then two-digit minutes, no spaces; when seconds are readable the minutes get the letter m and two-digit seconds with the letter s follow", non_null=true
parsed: 3h21
